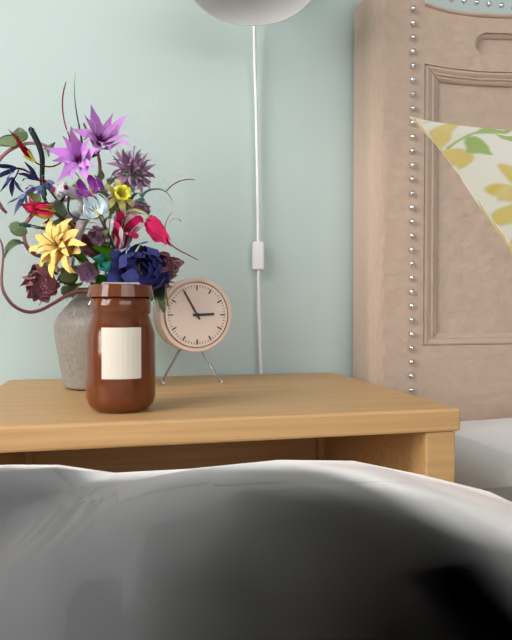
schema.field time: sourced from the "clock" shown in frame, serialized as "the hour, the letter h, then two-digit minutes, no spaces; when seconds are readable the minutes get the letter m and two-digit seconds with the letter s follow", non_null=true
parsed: 2h55
